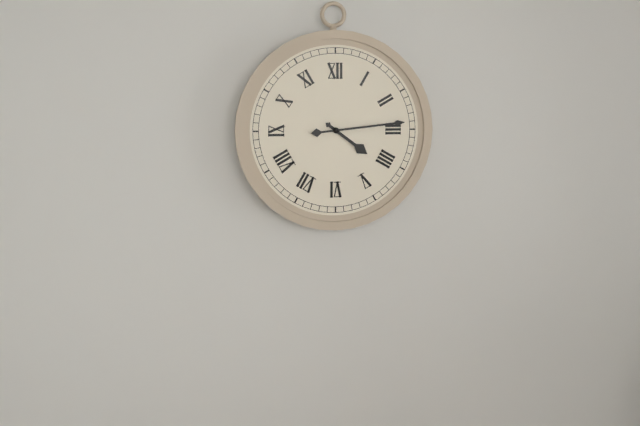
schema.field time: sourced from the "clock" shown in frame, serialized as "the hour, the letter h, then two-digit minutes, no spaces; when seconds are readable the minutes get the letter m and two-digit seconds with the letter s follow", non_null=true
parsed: 4h14
